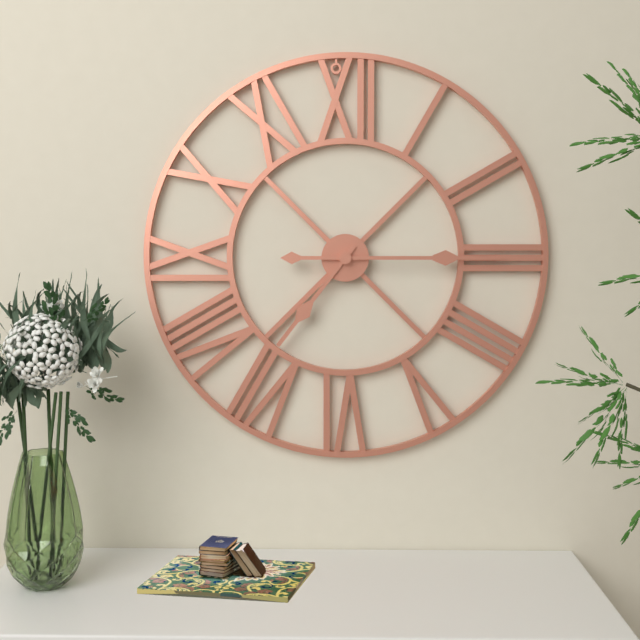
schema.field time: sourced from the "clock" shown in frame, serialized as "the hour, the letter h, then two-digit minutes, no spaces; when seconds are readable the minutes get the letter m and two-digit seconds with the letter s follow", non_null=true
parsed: 7h15
